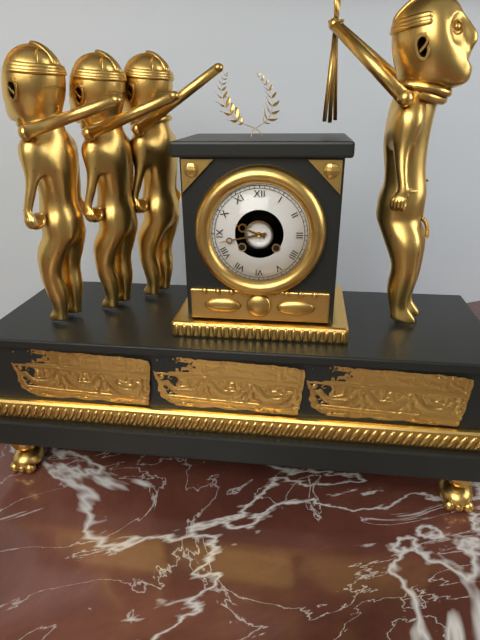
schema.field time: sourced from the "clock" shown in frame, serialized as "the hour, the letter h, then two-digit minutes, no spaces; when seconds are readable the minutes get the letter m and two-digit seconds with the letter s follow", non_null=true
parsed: 9h43
